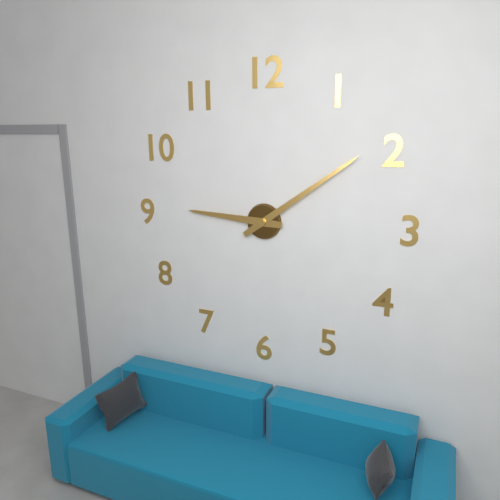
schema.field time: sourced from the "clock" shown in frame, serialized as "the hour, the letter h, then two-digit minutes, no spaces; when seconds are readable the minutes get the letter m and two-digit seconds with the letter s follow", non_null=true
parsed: 9h09
